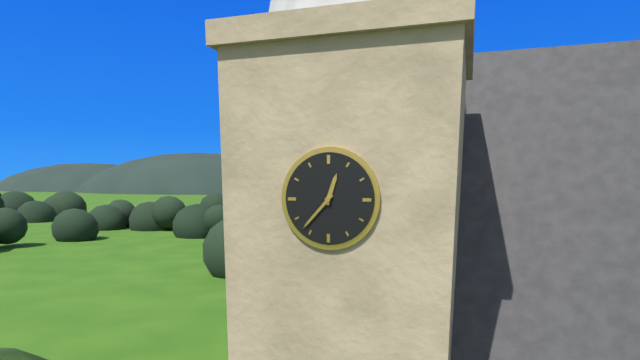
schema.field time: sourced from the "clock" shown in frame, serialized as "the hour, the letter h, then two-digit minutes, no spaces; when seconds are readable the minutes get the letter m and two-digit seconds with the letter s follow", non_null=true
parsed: 12h37
